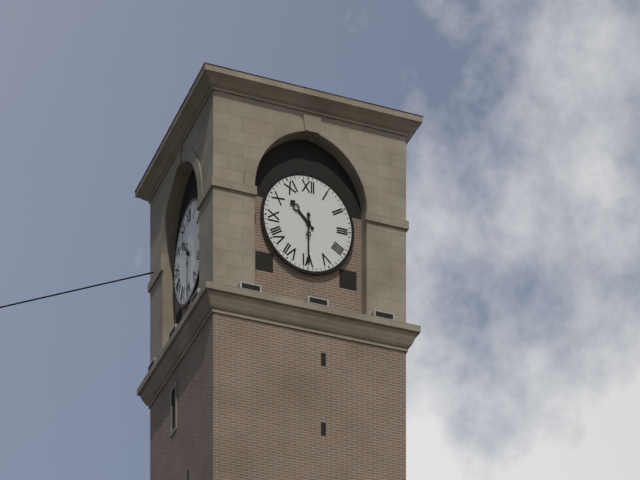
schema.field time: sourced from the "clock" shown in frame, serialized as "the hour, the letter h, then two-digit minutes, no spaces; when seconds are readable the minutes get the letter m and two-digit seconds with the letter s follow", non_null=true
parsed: 10h30
